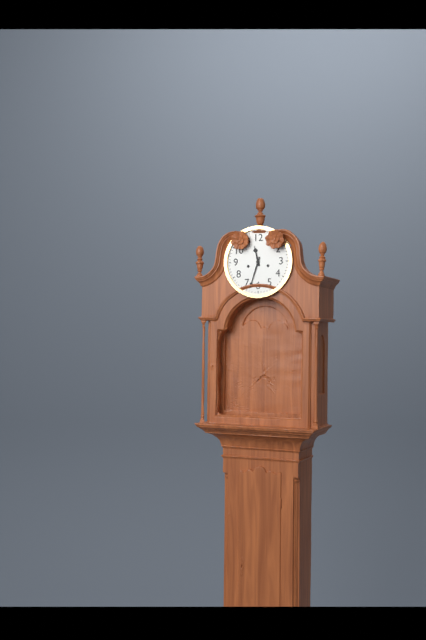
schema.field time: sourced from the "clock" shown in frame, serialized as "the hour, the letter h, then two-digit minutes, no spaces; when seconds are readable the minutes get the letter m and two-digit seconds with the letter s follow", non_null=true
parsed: 11h33
